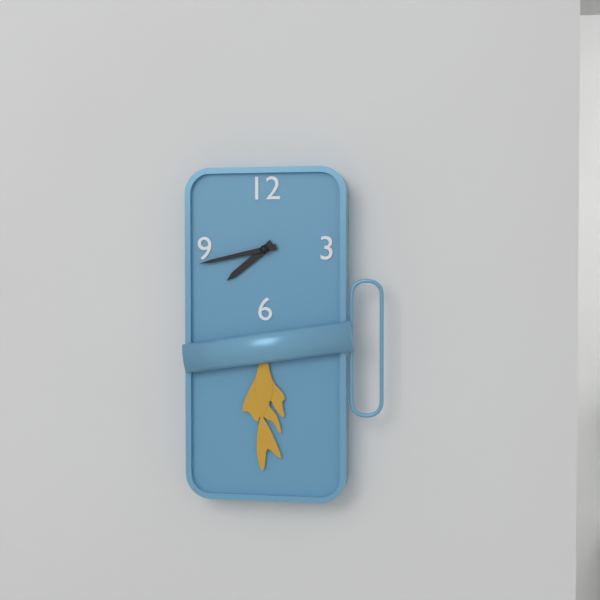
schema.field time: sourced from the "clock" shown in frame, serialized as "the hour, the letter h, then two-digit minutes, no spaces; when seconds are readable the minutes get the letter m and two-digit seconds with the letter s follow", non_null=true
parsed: 7h43
